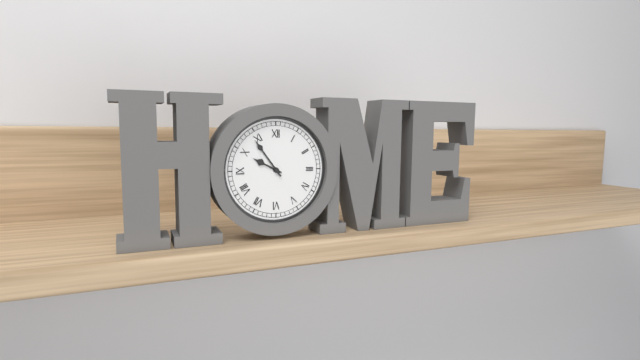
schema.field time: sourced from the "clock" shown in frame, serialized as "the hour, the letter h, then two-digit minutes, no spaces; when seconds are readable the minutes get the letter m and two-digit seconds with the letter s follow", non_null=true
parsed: 9h54
